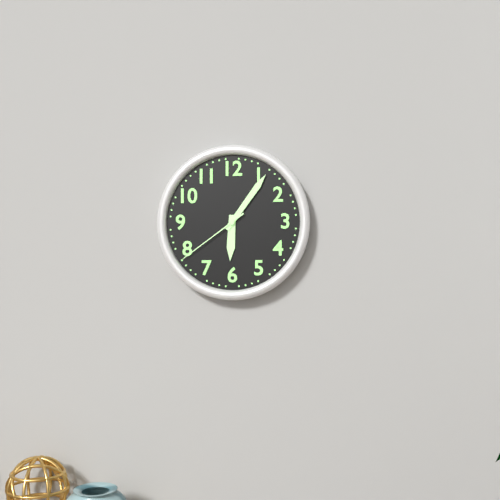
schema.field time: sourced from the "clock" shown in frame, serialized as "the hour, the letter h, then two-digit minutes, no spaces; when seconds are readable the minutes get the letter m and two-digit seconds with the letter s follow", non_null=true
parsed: 6h06m39s
